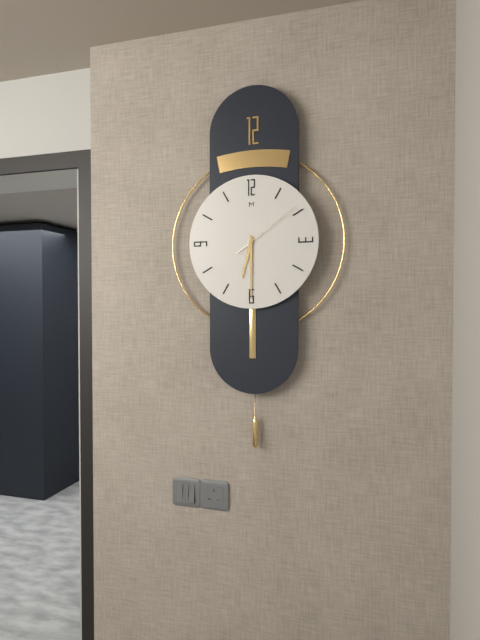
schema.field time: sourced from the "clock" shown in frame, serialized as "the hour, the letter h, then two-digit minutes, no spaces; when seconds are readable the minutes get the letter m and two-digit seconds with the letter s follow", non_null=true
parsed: 6h30m09s
